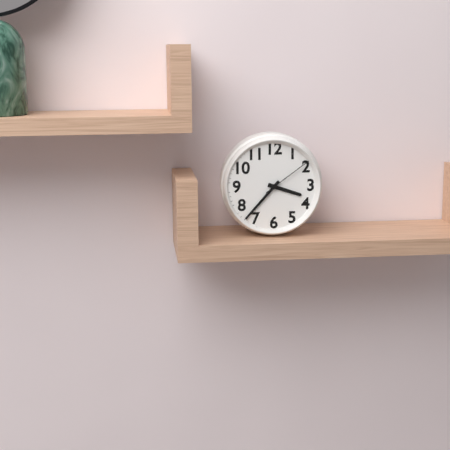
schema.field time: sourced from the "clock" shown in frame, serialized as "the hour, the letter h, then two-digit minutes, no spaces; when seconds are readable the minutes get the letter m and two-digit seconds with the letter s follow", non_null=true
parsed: 3h37m09s
